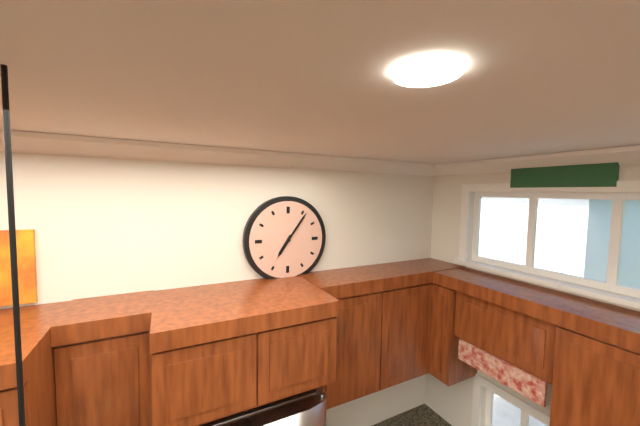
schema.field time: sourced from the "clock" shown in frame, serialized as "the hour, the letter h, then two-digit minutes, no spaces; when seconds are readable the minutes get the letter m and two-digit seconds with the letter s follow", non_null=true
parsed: 7h06
